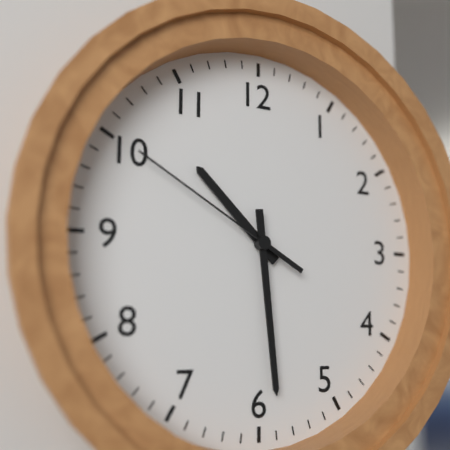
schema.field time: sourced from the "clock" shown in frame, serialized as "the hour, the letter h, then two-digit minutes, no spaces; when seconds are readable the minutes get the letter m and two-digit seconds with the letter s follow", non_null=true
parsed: 10h29m50s
